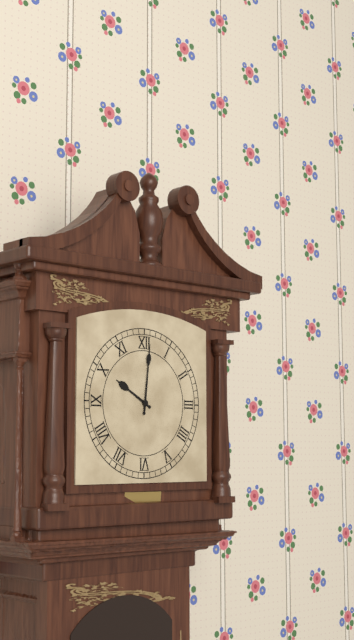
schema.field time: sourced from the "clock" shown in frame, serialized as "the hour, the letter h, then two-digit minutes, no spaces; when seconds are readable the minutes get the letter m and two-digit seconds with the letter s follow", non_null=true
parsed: 10h01
